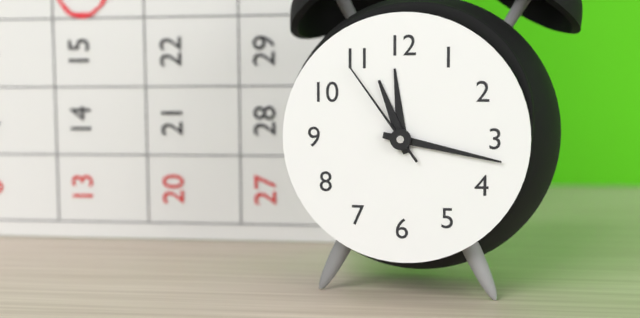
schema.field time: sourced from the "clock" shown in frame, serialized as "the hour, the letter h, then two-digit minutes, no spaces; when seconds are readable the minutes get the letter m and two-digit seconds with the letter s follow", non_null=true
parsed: 11h17m54s
